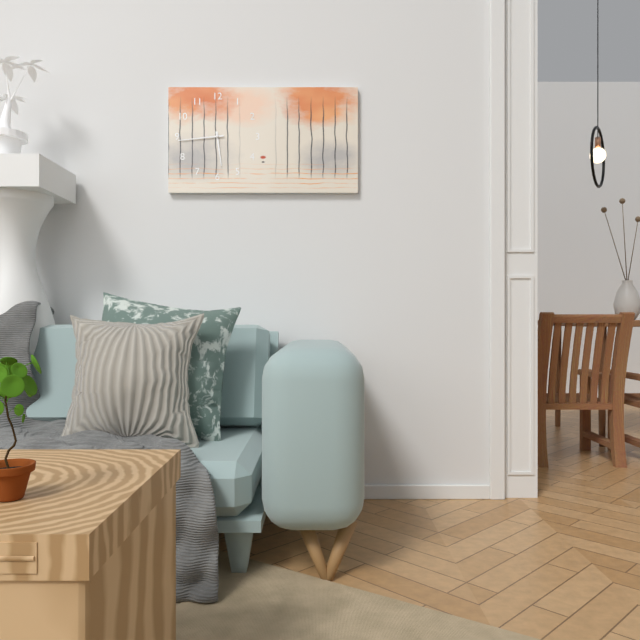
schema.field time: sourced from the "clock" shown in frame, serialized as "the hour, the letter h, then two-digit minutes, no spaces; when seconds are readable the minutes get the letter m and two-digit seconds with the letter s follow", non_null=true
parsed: 5h44
